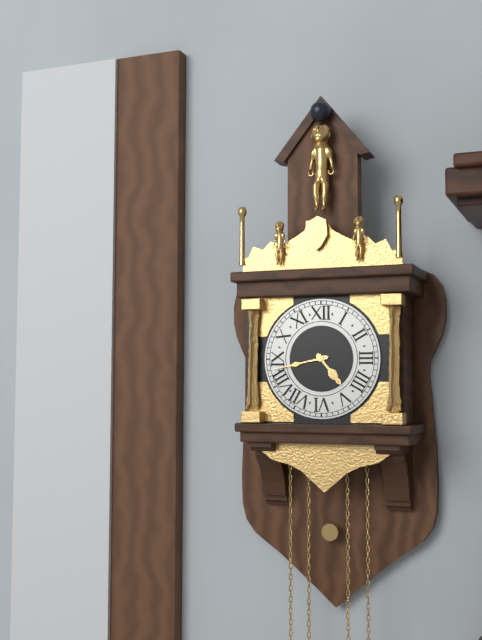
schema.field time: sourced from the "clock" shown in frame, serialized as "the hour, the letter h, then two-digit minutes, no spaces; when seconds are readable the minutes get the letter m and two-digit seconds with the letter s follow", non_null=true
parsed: 4h43
